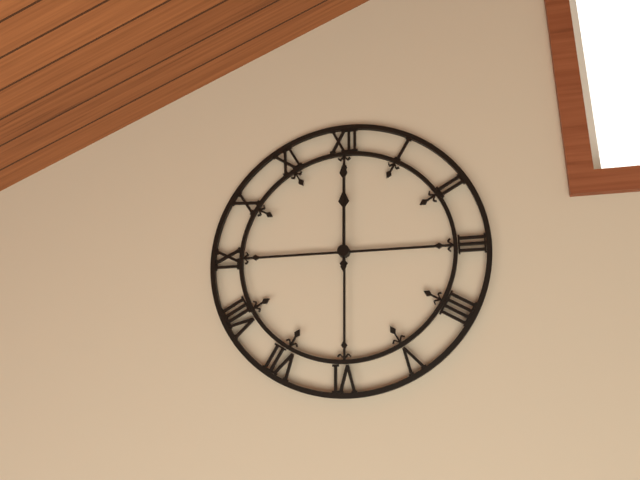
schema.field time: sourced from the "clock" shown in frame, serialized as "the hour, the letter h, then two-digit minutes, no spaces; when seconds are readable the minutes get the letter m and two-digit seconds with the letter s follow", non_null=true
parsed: 12h00
